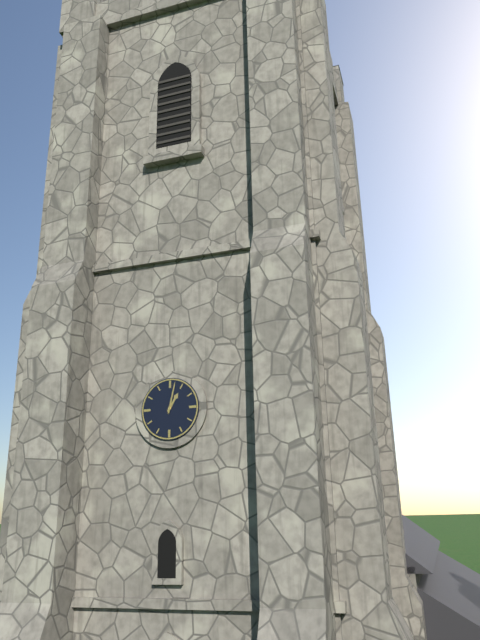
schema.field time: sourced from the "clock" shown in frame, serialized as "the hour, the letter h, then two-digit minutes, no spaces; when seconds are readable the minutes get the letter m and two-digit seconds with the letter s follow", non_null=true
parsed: 1h02
